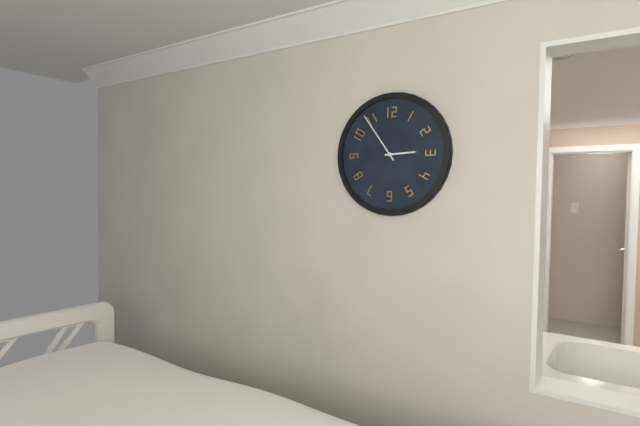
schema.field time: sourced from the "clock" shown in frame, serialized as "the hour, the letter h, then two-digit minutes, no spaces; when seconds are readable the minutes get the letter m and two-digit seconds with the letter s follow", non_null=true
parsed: 2h54
